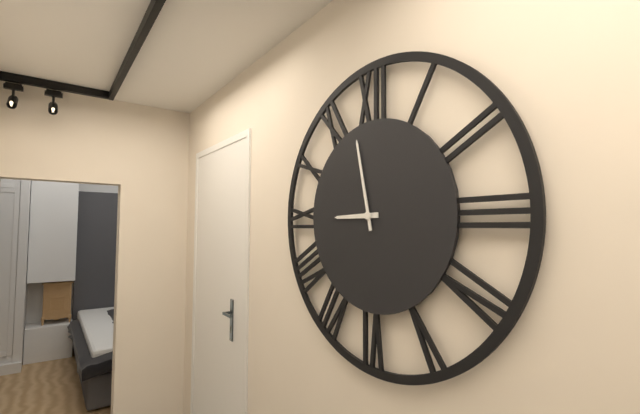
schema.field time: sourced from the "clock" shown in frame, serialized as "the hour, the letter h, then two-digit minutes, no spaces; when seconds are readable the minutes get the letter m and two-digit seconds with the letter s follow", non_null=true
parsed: 8h58
